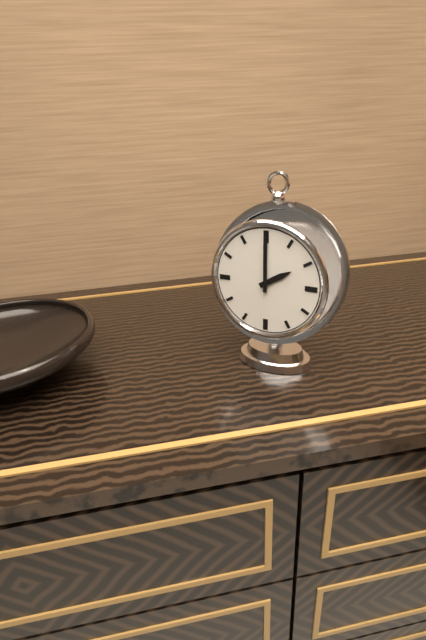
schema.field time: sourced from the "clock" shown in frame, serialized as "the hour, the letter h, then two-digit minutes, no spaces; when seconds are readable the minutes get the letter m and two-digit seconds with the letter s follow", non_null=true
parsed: 2h00
